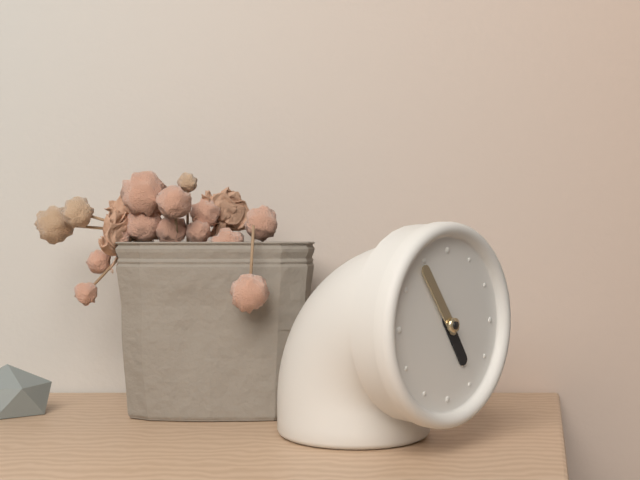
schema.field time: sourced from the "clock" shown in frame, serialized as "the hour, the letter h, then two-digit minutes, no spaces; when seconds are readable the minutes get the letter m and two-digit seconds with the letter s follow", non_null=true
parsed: 4h54
